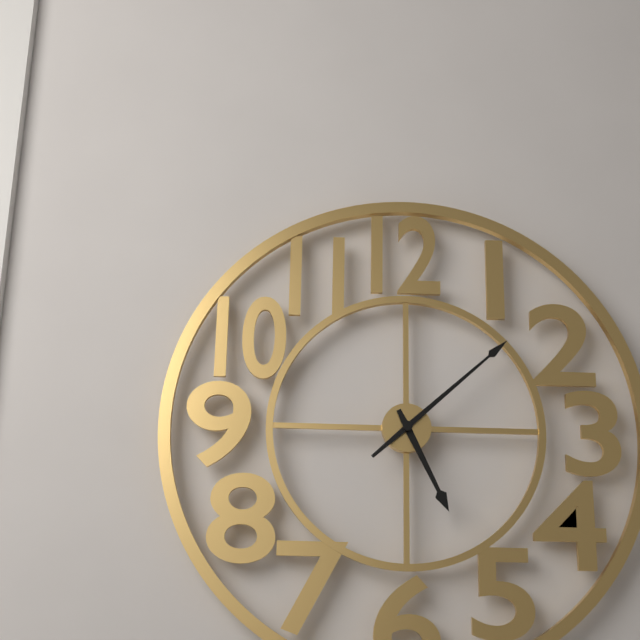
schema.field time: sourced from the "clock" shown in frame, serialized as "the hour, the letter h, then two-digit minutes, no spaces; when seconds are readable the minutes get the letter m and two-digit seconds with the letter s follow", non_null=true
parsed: 5h08
